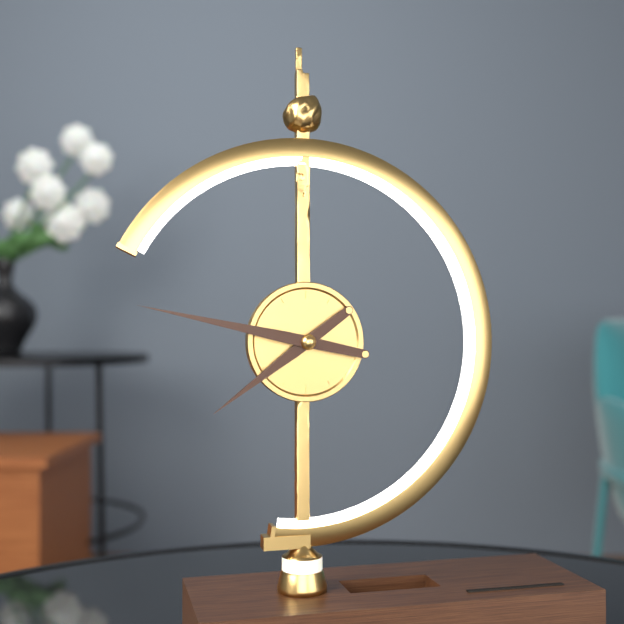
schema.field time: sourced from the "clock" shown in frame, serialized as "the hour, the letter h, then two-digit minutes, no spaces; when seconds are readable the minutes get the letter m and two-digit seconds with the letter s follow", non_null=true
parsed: 7h47
